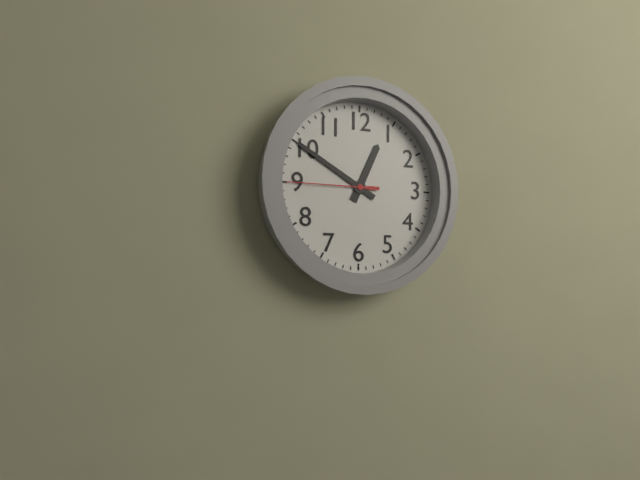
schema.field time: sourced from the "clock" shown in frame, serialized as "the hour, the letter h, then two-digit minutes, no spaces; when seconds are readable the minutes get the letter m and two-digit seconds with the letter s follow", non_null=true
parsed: 12h50m45s
